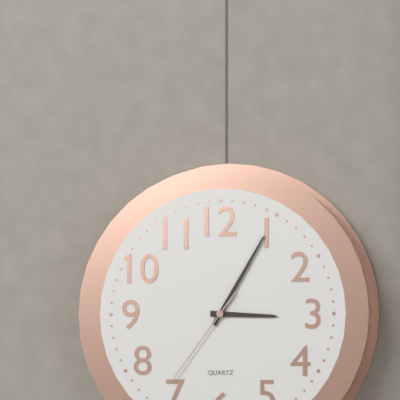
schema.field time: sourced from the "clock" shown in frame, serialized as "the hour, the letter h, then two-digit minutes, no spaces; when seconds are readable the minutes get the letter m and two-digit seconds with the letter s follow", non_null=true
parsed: 3h05m36s
